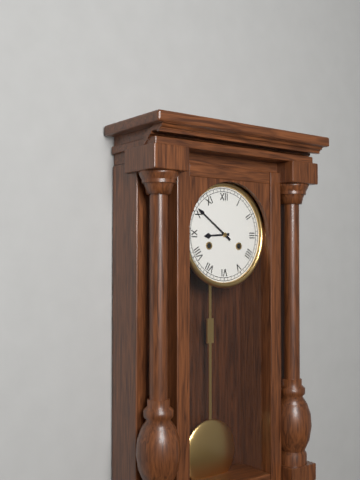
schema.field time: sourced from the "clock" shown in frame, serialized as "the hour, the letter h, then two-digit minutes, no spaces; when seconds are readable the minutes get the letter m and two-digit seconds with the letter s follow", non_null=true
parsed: 8h51
